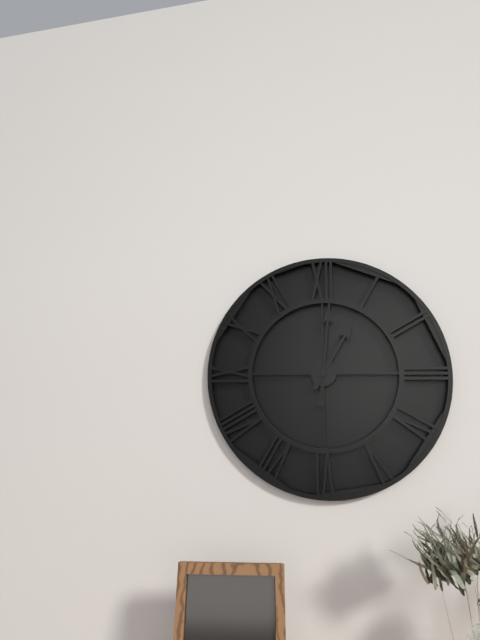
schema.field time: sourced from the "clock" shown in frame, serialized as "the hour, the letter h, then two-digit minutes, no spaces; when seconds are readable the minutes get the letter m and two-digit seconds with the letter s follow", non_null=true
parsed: 1h01
